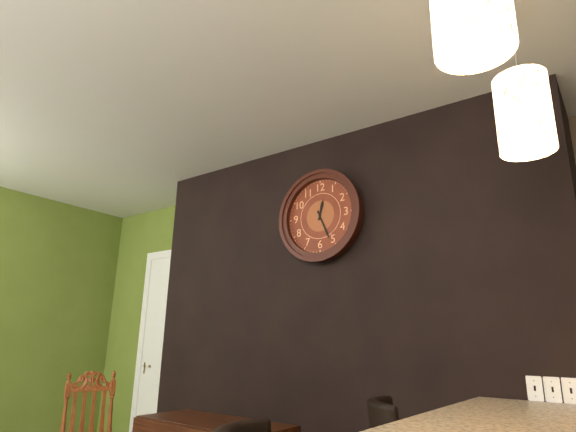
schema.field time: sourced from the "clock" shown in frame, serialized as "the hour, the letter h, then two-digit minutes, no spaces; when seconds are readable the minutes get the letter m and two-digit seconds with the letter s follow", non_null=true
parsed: 12h26
